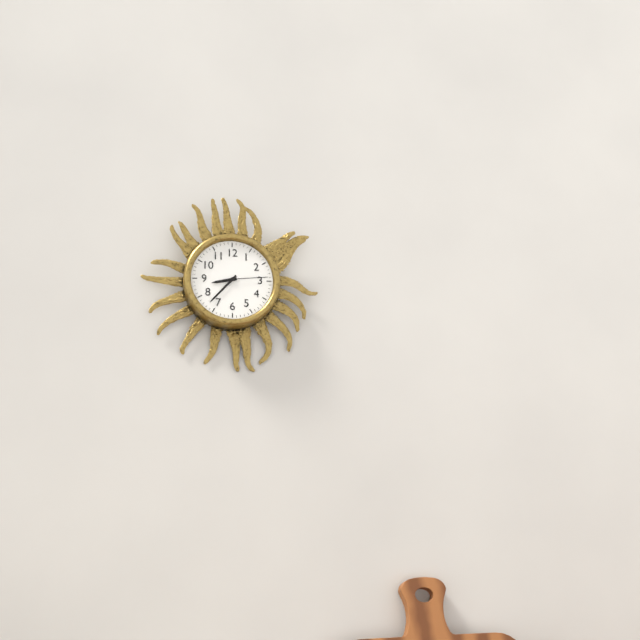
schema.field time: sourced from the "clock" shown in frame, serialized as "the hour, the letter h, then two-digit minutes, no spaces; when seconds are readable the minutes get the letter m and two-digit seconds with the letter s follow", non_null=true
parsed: 8h37
